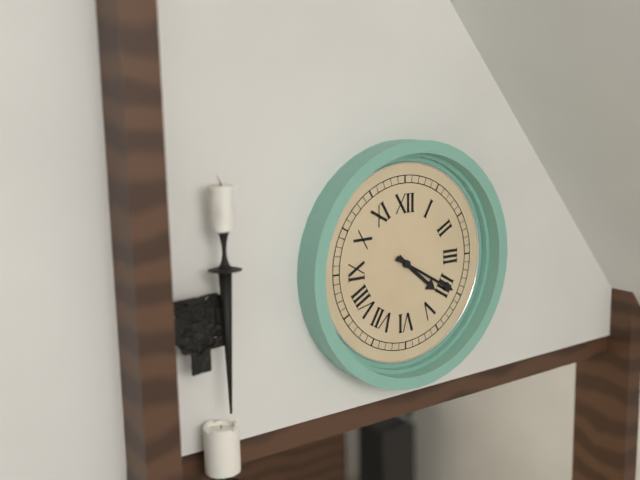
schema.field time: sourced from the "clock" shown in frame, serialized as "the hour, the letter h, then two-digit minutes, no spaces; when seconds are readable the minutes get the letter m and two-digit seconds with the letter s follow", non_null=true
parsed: 4h20
